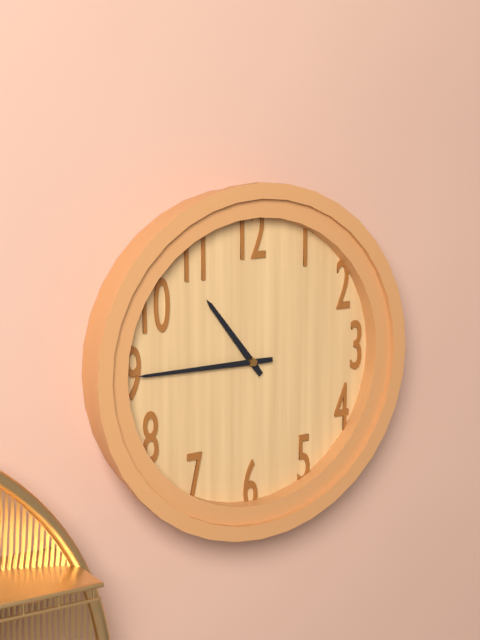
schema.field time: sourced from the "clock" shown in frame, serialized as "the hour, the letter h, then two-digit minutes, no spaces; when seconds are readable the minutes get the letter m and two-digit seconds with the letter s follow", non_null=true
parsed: 10h45
